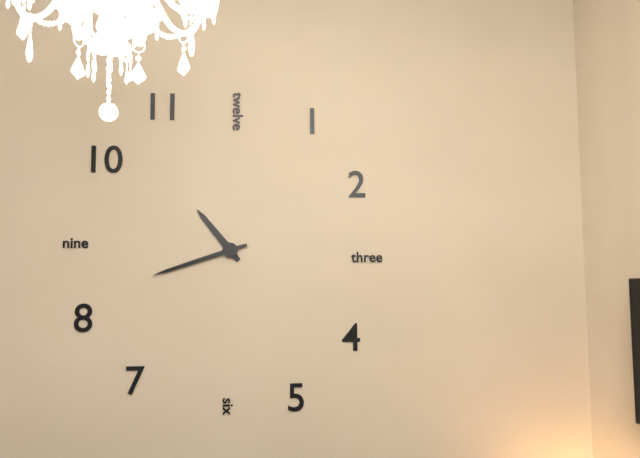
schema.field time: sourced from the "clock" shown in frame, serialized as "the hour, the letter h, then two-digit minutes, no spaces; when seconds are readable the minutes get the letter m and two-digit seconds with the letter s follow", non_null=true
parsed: 10h42
